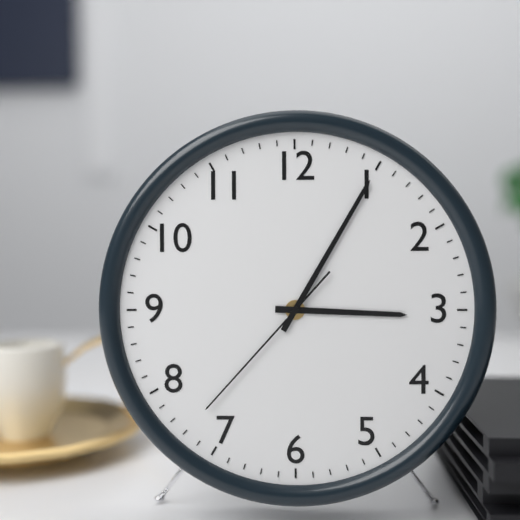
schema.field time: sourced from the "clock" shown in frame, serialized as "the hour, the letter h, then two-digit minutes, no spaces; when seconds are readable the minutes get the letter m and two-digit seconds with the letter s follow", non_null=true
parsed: 3h05m37s
